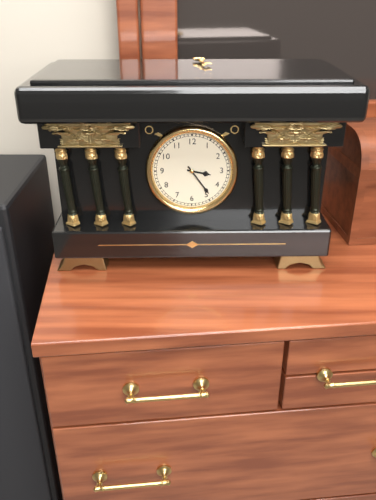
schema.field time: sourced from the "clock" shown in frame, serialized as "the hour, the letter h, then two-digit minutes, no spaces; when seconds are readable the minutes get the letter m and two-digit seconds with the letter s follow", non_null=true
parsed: 3h24
